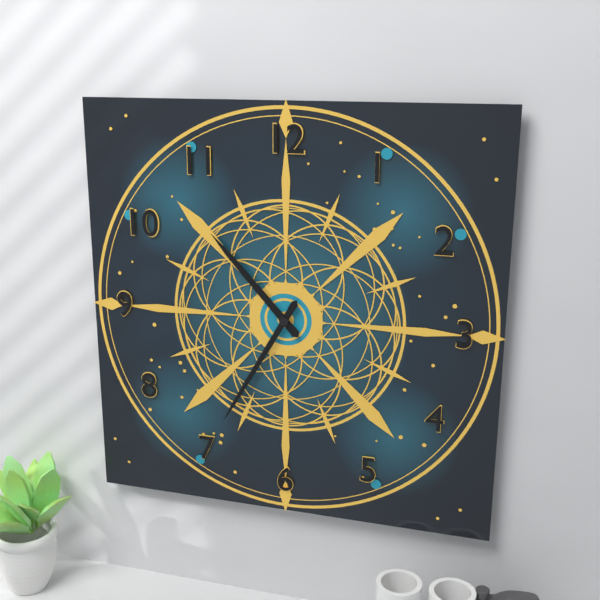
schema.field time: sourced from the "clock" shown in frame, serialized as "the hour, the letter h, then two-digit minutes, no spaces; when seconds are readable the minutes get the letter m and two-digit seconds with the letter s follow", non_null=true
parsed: 10h35
